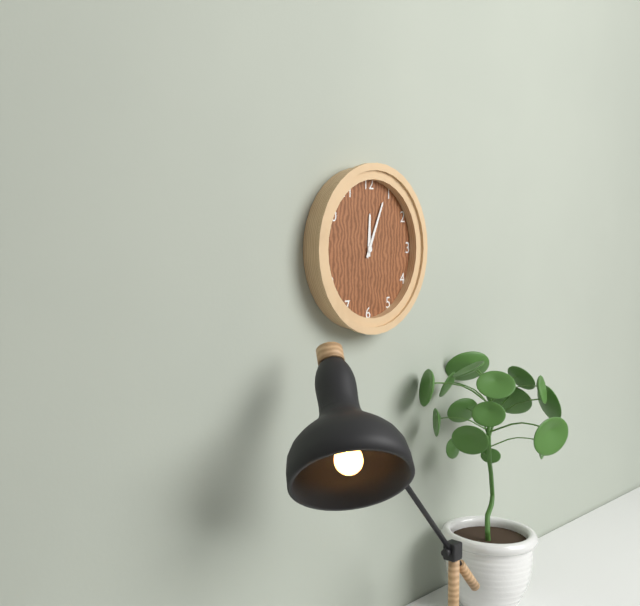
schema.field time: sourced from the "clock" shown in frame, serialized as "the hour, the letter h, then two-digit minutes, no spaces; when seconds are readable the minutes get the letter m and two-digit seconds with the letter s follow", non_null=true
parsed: 12h04
